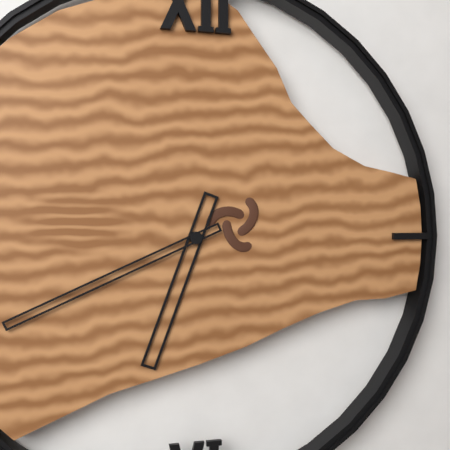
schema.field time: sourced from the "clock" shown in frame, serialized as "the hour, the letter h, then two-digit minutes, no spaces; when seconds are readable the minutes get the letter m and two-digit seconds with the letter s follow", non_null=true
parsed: 6h41
